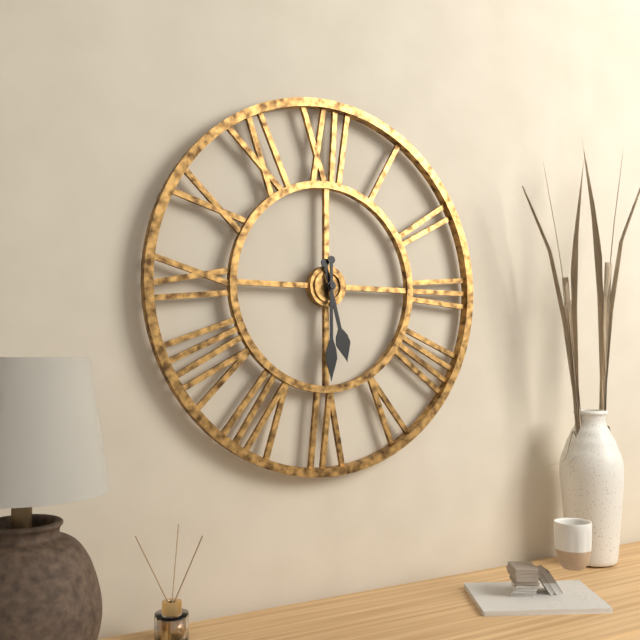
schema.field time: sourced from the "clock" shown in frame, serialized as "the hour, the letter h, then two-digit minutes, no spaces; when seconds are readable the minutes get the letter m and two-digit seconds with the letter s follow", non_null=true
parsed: 5h30
